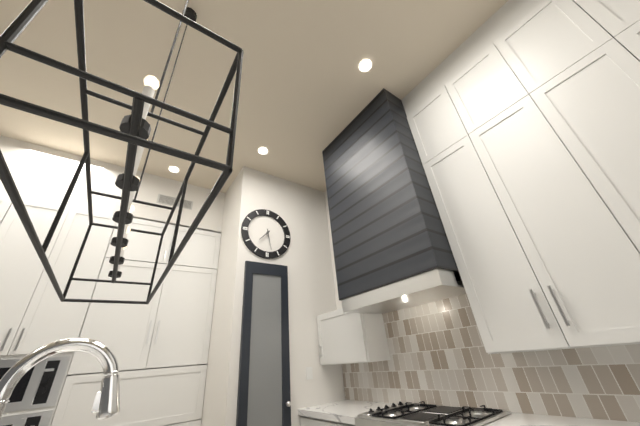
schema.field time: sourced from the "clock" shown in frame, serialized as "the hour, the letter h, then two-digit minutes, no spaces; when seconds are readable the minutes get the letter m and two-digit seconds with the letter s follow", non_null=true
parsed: 7h28
